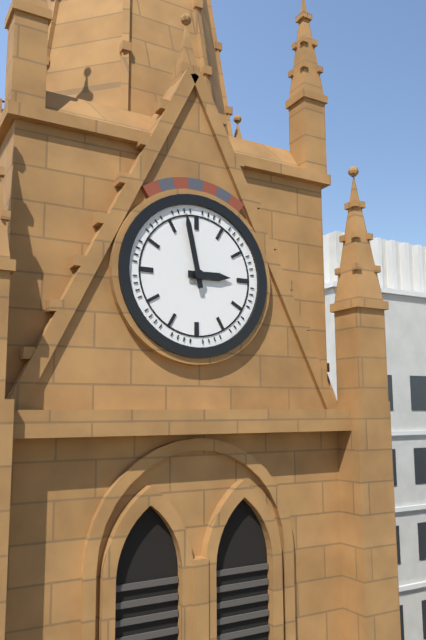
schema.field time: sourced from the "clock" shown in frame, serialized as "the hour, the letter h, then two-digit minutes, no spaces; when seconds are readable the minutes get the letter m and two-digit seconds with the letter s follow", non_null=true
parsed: 2h58
